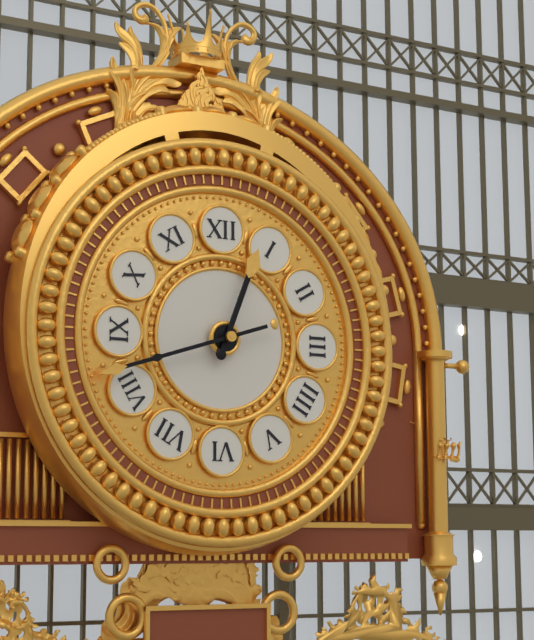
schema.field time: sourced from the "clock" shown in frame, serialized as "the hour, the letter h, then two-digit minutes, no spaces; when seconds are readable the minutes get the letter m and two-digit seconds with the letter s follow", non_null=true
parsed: 12h42
